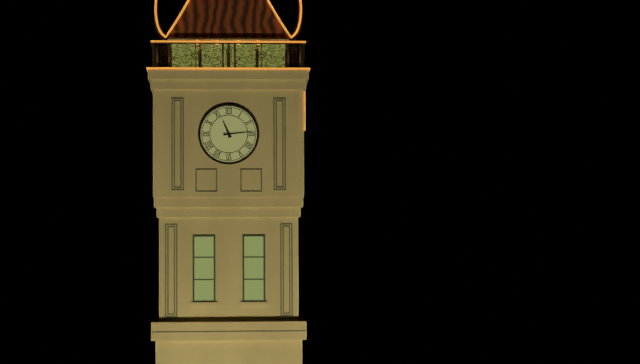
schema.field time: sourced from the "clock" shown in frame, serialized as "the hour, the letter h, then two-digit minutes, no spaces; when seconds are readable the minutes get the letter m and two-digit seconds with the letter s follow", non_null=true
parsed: 11h14
